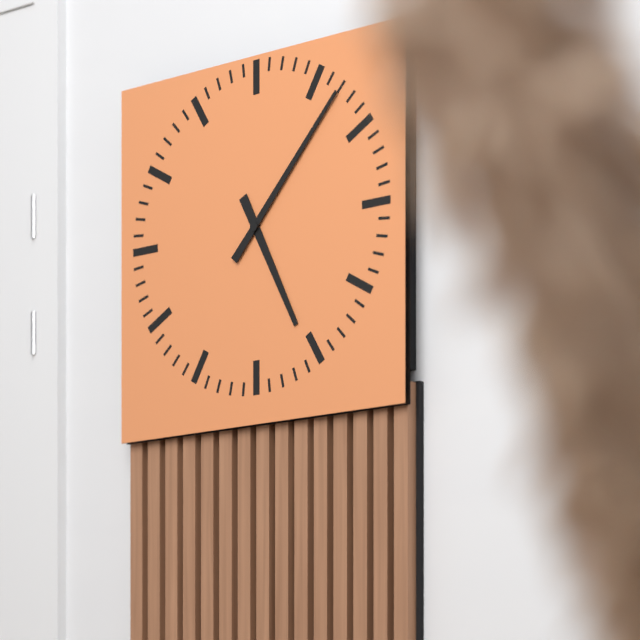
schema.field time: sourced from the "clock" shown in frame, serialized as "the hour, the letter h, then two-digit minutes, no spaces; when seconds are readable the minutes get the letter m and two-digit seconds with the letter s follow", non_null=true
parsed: 5h07
